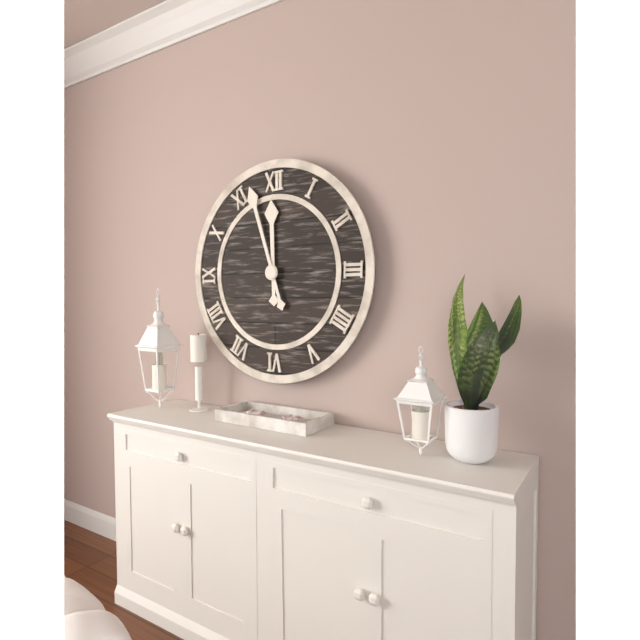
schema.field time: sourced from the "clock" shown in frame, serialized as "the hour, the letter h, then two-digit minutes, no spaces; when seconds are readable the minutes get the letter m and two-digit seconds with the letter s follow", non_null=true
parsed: 11h57
